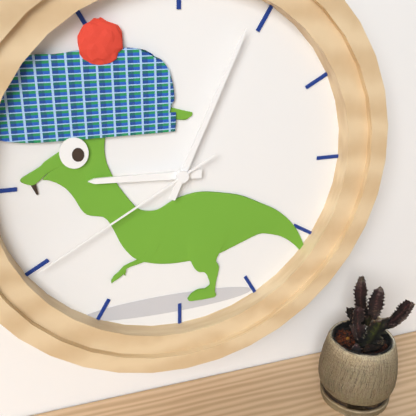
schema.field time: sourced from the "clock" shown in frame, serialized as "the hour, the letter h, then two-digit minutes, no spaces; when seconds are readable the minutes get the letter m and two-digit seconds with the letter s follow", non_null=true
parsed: 9h04m40s
